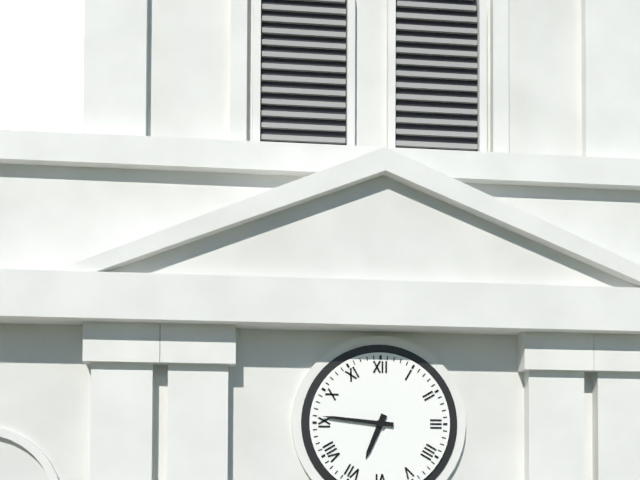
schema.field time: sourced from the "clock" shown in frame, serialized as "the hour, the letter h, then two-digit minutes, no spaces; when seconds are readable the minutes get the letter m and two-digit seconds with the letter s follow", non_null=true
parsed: 6h46
